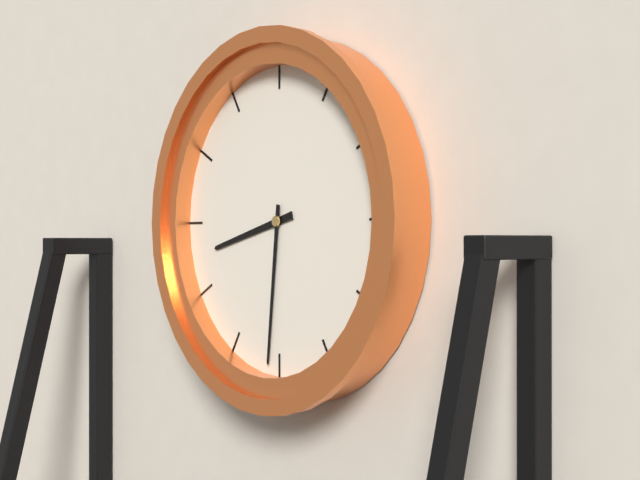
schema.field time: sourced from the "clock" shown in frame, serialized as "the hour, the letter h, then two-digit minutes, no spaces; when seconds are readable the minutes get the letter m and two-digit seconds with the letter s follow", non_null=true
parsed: 8h31
